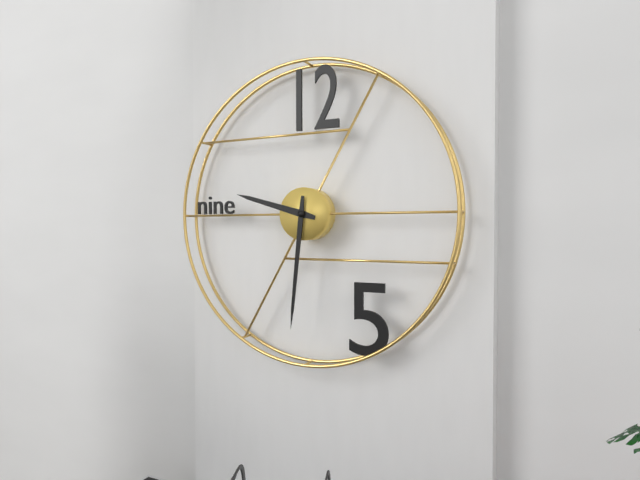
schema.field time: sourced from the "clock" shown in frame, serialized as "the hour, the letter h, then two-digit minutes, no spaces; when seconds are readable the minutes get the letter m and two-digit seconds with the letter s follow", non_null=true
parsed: 9h31
